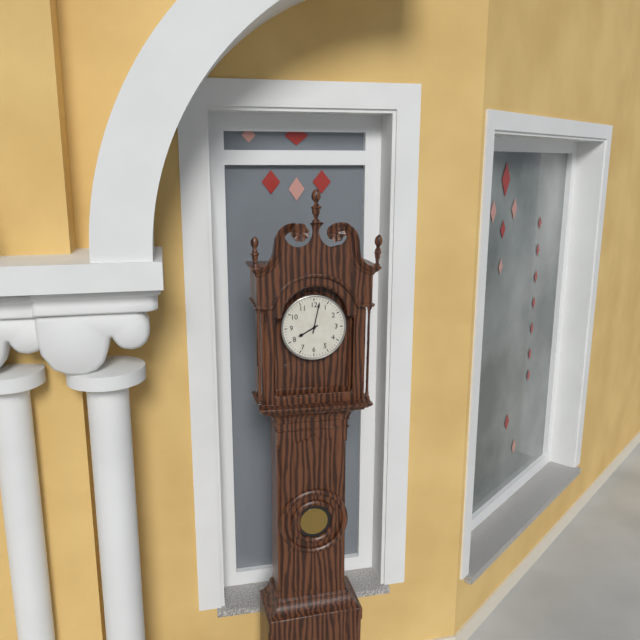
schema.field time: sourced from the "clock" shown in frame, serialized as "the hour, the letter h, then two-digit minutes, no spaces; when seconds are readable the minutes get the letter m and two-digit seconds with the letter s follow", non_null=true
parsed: 8h02
